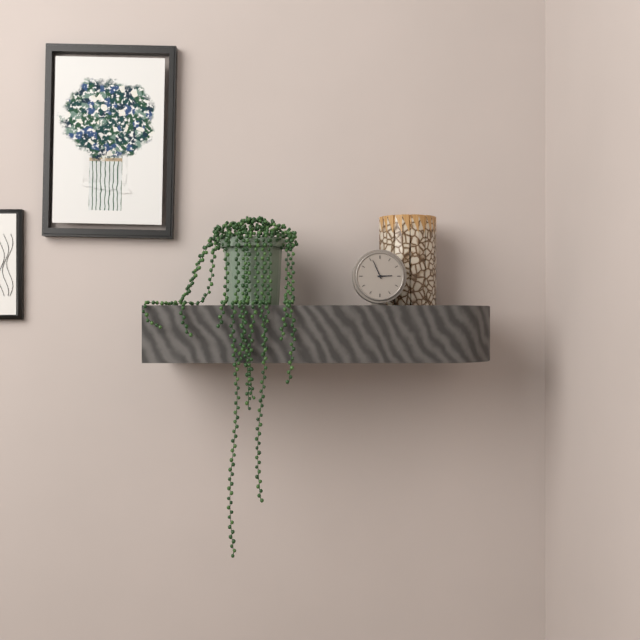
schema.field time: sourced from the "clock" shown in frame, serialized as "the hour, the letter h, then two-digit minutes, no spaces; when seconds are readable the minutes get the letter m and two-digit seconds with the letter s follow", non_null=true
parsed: 2h56
